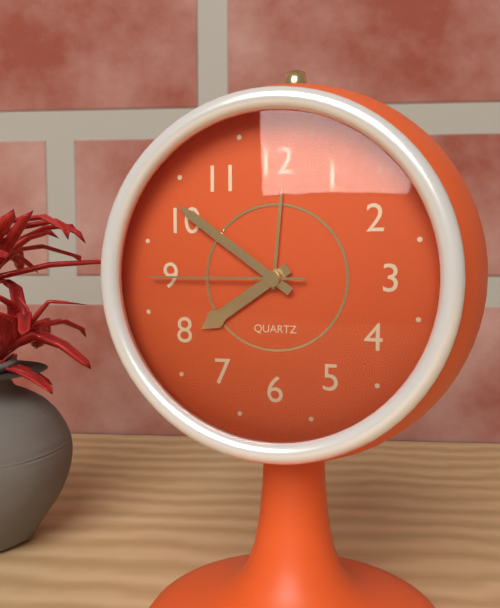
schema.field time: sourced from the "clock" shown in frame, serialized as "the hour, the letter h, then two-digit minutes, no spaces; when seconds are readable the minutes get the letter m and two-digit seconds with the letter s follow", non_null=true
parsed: 7h51m45s
